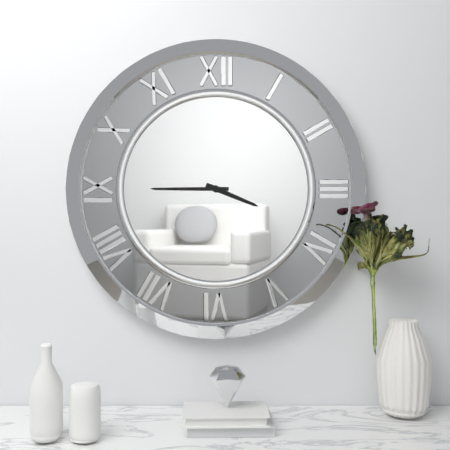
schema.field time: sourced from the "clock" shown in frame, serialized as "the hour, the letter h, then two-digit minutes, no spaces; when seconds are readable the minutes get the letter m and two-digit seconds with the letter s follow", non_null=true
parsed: 3h45
